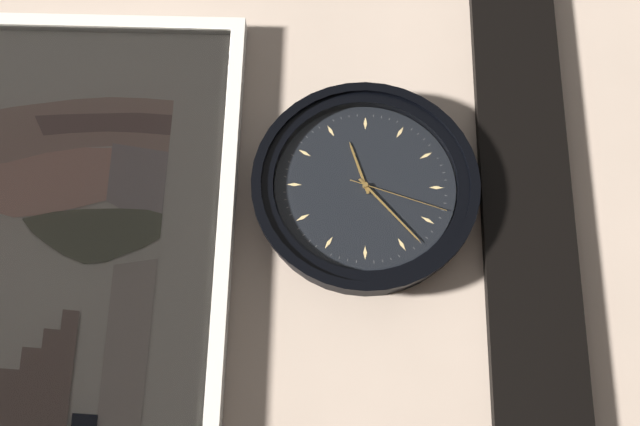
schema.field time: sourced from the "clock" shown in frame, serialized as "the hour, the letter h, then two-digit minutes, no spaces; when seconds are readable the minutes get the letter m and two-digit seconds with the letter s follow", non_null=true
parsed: 11h23m18s
